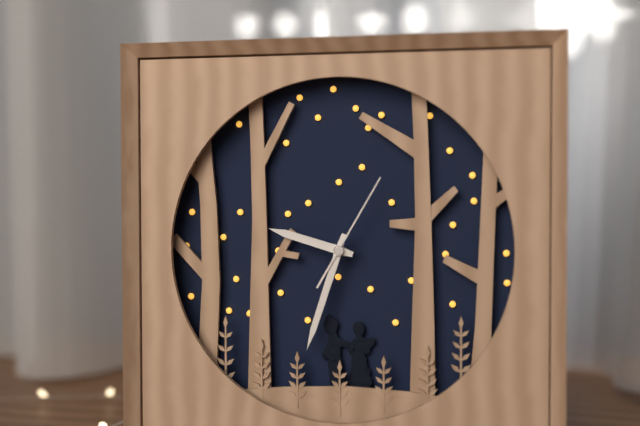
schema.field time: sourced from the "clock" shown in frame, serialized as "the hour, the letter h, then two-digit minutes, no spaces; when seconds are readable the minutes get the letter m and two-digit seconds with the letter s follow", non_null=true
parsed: 9h33m05s
